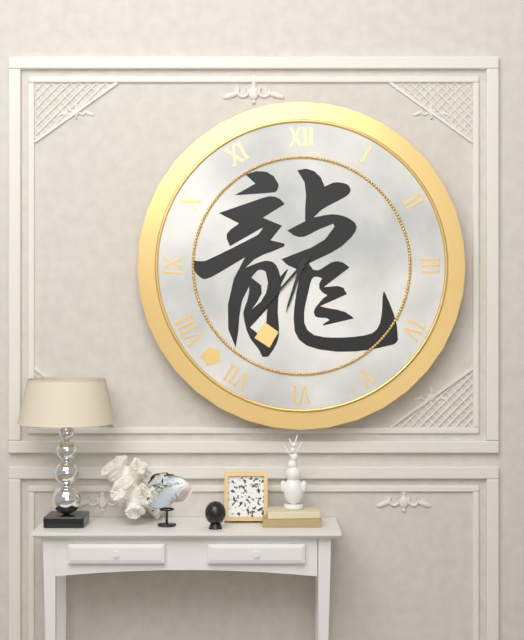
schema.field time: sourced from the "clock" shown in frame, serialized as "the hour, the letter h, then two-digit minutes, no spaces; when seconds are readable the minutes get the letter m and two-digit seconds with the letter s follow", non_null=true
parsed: 6h37
